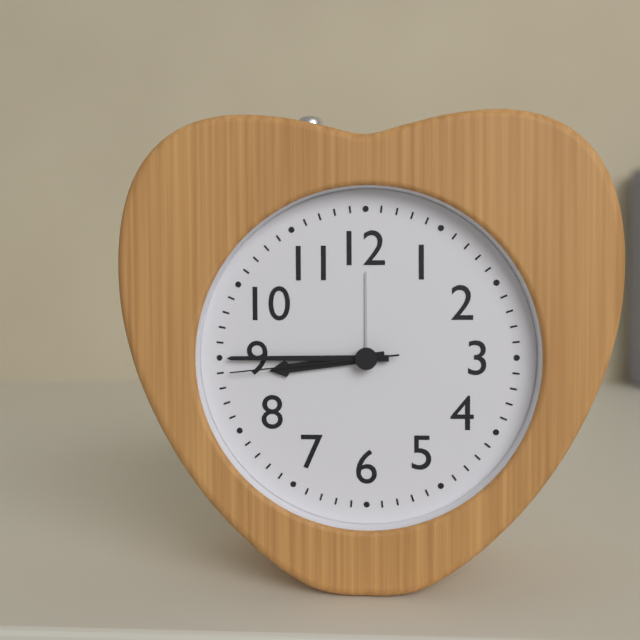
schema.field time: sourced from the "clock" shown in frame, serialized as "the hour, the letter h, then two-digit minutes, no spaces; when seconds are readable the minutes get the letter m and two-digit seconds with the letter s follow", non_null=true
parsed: 8h45m44s
